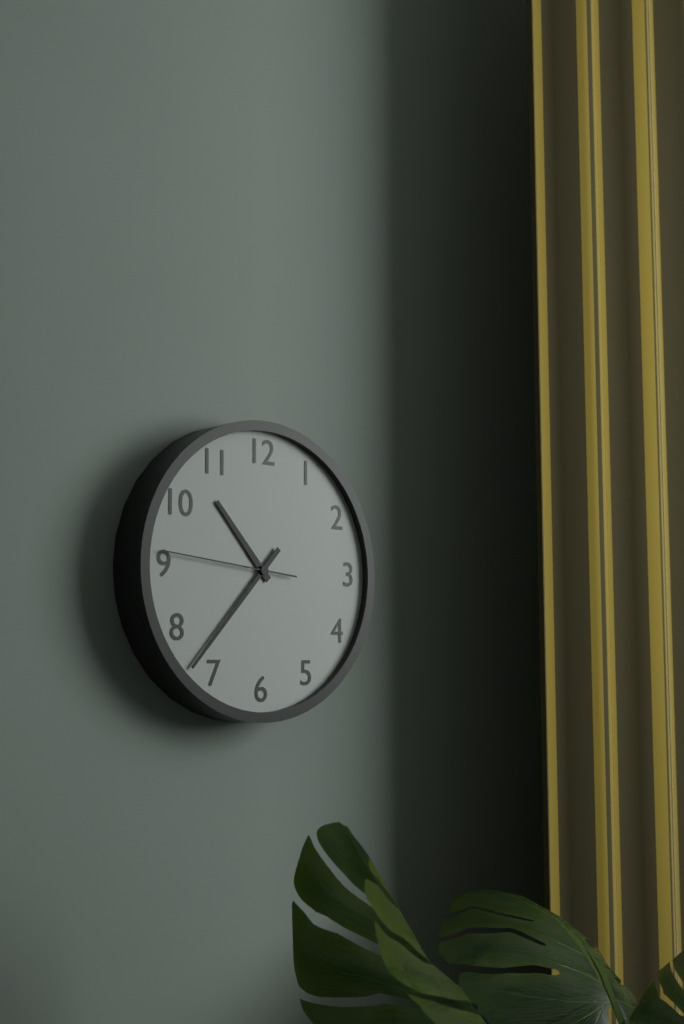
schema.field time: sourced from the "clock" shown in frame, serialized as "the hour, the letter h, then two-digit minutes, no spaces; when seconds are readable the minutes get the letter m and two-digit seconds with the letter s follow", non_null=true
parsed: 10h37m46s
